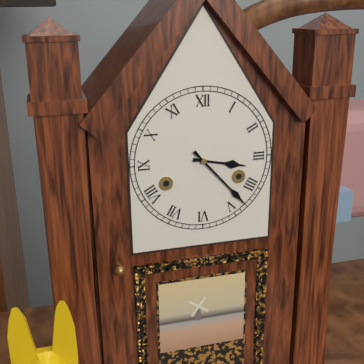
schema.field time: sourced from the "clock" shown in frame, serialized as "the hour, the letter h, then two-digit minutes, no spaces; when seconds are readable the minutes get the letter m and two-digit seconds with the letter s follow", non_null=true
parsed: 3h23
